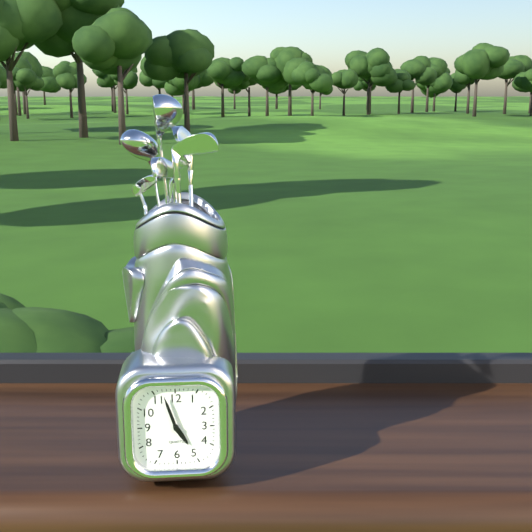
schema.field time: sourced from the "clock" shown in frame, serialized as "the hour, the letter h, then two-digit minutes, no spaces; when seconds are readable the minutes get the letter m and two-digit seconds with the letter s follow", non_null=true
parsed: 4h57
